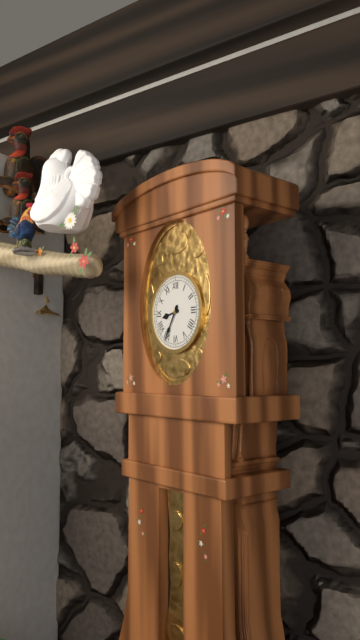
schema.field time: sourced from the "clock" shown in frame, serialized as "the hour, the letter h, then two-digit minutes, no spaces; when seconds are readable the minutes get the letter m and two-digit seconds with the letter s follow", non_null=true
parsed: 8h35
